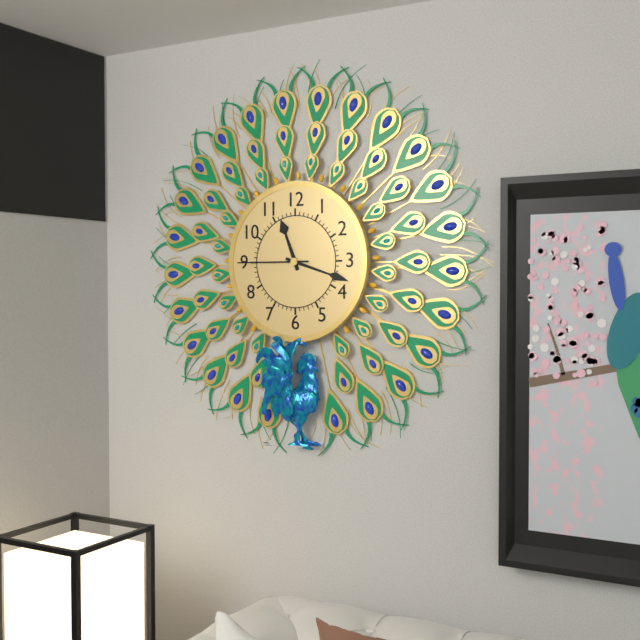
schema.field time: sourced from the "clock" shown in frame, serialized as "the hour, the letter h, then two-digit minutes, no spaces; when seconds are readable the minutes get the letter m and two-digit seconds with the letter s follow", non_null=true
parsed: 11h18m45s
